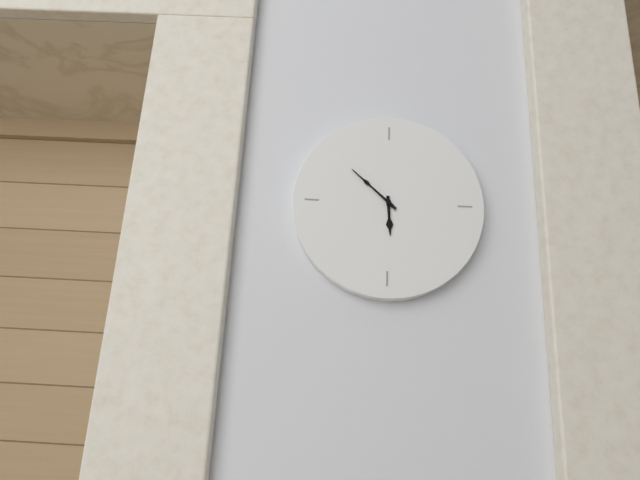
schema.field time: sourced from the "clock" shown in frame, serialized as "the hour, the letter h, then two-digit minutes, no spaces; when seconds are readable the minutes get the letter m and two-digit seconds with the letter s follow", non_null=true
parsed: 5h52
